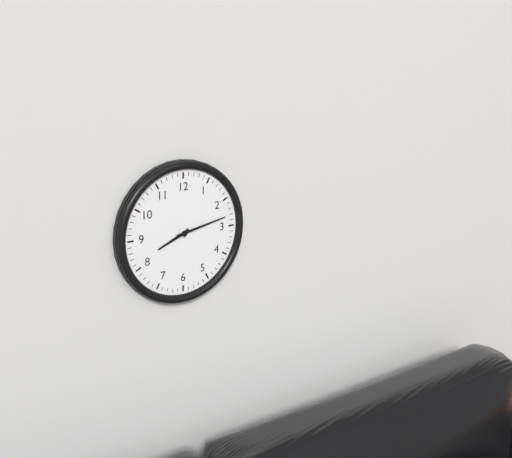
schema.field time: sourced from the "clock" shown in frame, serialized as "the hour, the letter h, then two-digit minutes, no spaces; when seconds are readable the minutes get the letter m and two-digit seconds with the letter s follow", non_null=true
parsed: 8h13
